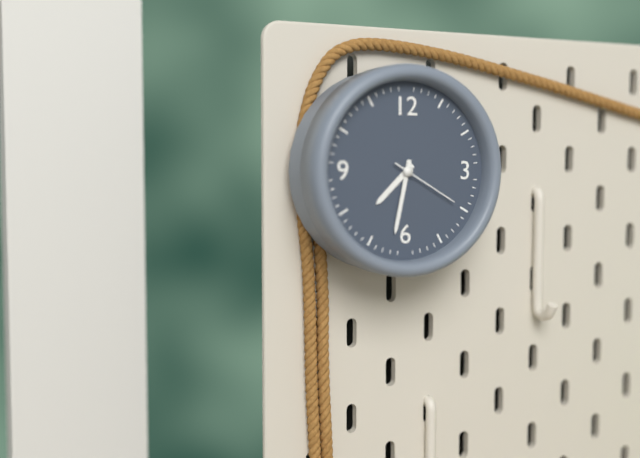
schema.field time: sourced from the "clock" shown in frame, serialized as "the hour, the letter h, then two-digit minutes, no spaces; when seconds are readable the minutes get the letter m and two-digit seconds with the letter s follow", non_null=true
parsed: 7h32m20s
